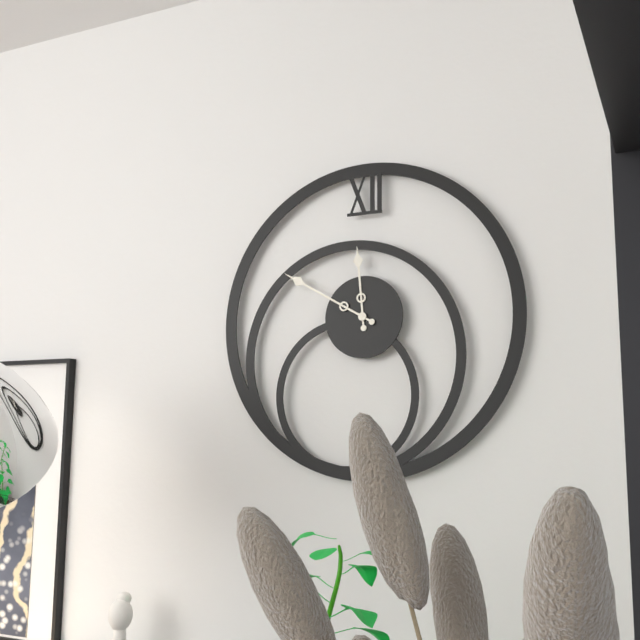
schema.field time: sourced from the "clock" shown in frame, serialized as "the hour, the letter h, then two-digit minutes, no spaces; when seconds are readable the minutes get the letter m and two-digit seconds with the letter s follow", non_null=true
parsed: 11h50
